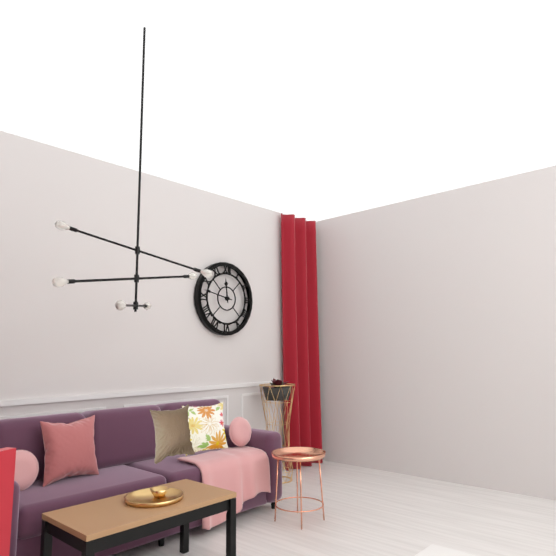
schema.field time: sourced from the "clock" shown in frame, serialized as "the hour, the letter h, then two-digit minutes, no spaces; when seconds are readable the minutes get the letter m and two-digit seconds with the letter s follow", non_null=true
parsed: 11h47
